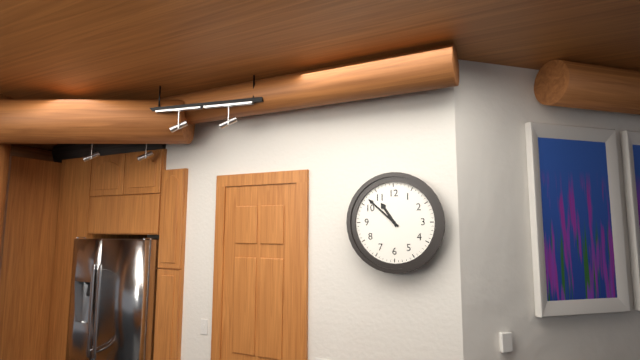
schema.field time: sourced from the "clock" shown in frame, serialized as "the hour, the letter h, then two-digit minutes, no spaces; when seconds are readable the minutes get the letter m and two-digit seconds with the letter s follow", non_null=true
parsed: 10h52
